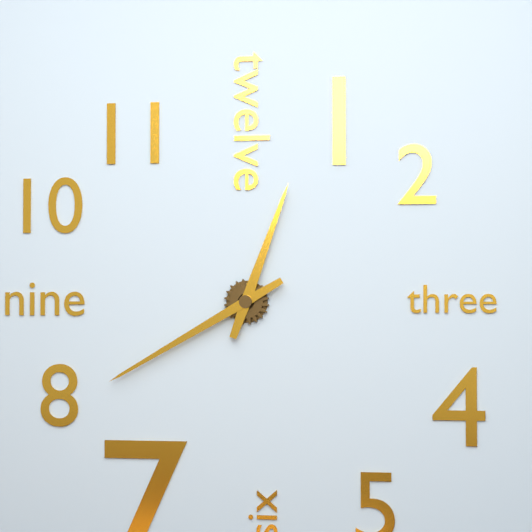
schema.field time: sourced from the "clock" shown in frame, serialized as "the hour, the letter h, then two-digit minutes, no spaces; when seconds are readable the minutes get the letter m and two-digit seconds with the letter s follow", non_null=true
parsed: 12h40
